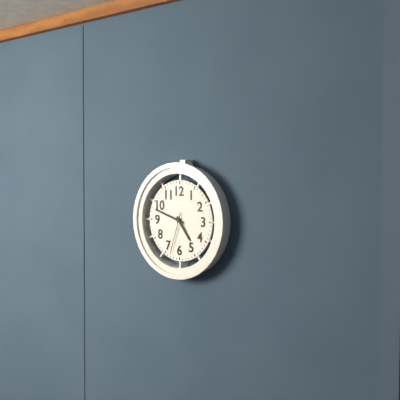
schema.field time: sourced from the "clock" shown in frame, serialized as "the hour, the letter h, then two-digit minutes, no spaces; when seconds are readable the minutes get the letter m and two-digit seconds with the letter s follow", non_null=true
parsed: 4h48
